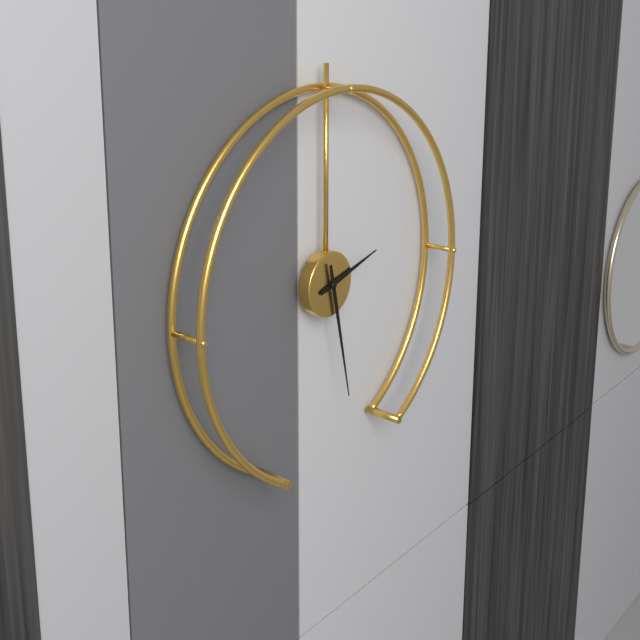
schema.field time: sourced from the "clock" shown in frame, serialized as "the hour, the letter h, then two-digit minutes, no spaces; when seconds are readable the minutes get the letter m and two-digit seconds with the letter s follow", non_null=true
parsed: 2h28
